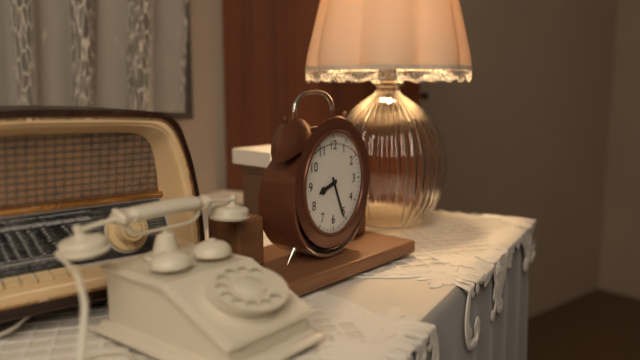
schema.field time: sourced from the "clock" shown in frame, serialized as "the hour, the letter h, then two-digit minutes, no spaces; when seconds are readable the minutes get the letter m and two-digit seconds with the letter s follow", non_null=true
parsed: 8h26
